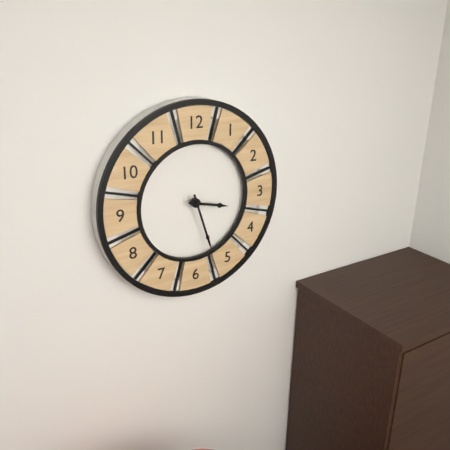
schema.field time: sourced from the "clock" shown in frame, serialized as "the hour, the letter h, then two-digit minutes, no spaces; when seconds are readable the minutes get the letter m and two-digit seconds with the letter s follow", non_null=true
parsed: 3h27
